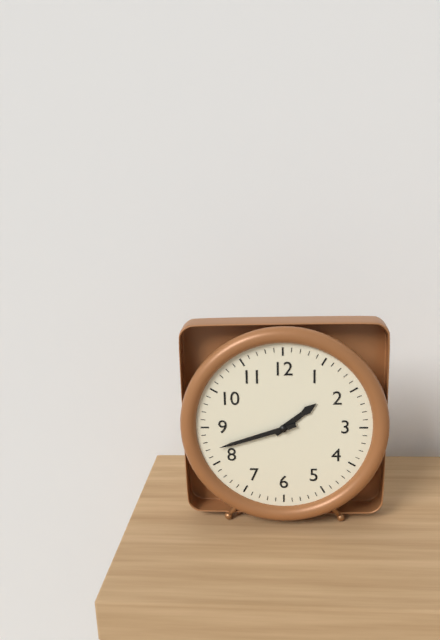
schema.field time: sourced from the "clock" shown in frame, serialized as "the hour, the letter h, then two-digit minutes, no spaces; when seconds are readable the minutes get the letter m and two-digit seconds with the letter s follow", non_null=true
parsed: 1h42
